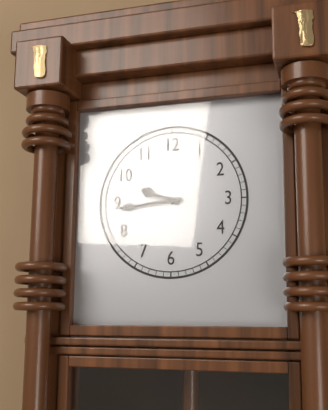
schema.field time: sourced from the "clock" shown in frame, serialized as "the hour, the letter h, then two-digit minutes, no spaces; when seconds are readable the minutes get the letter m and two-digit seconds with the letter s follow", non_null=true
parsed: 9h44
